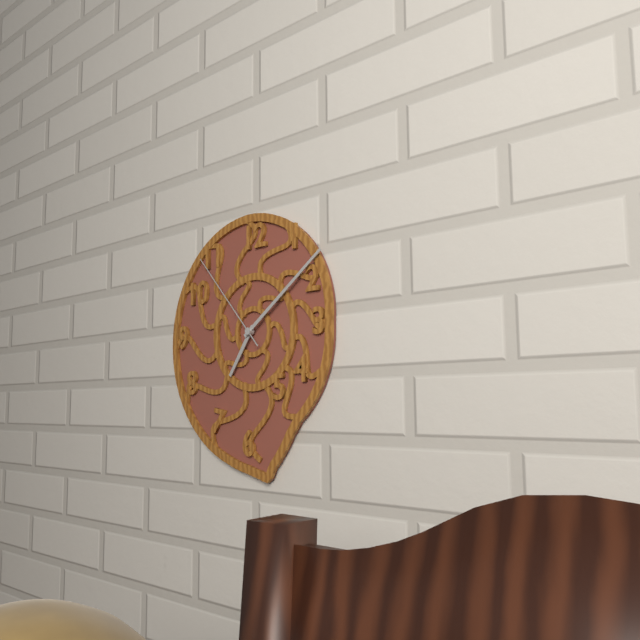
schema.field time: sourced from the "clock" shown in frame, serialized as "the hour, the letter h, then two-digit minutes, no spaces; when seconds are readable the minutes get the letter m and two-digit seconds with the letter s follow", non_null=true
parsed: 7h09m53s
